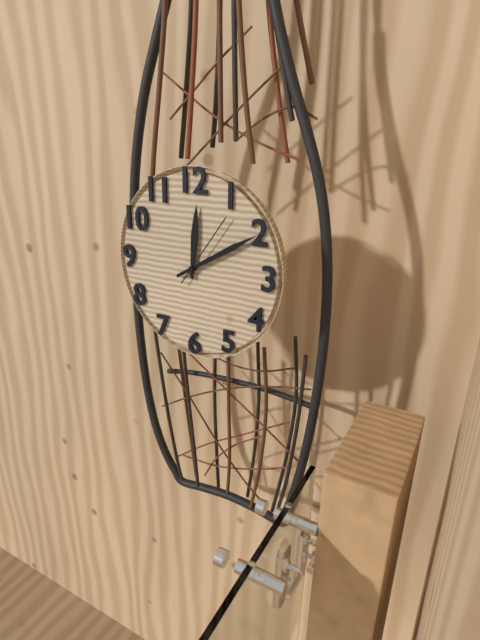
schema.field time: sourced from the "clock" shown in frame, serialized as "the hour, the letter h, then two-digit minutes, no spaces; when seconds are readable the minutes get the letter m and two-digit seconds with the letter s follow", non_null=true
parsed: 12h10m06s
